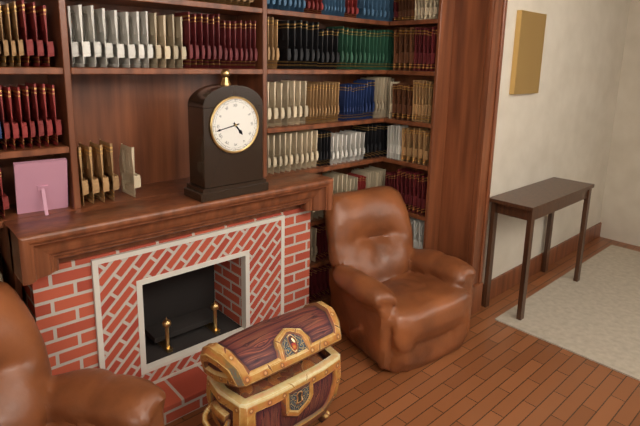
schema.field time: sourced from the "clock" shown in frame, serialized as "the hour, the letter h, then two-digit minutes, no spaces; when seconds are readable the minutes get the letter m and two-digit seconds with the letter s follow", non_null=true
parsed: 4h43
